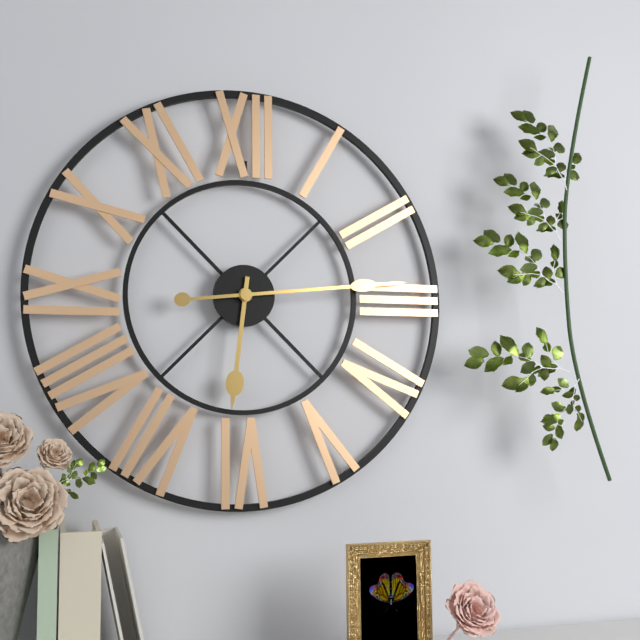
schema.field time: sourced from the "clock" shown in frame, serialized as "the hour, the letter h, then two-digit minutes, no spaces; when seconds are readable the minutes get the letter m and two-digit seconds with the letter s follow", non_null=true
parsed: 6h14
